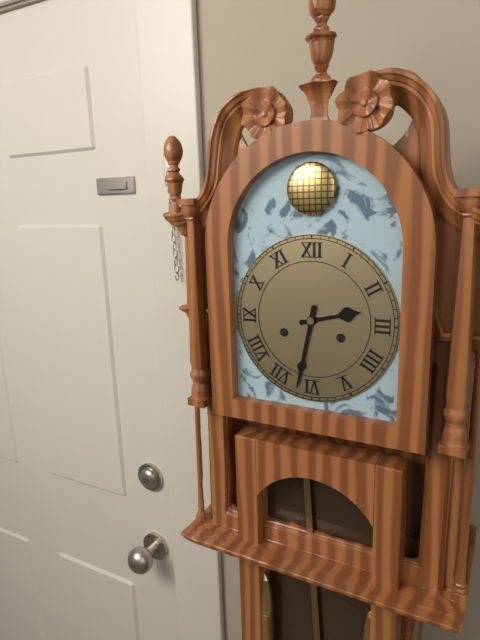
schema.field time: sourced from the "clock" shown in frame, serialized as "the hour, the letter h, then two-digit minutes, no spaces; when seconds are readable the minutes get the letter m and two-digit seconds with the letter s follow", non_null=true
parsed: 2h32
